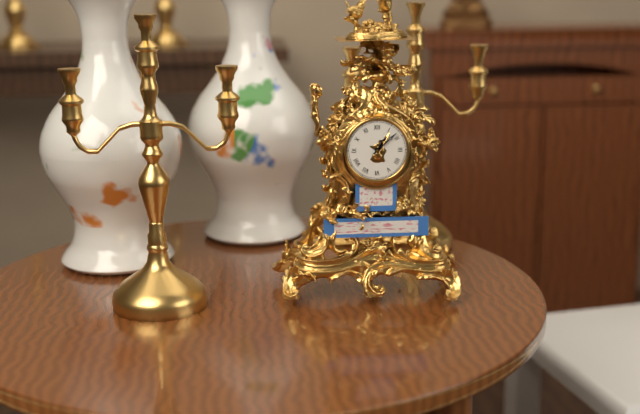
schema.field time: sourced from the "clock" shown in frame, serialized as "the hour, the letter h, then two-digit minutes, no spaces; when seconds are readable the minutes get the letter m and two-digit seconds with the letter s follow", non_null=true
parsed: 1h08
